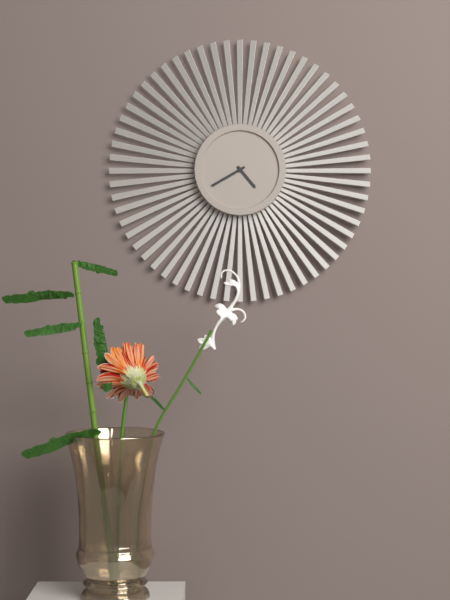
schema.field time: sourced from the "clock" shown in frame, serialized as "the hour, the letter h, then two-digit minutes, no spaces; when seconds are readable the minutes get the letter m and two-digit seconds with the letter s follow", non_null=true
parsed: 4h40
